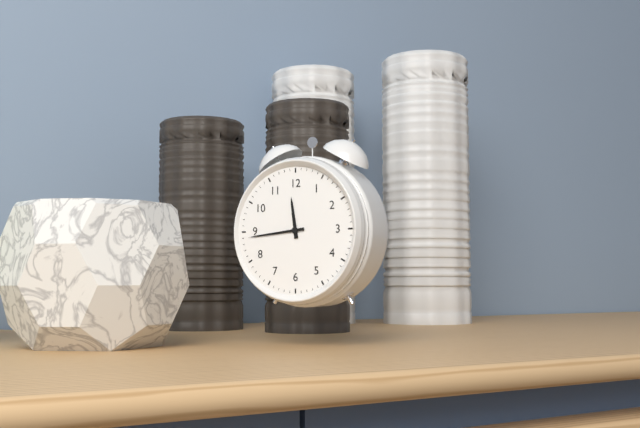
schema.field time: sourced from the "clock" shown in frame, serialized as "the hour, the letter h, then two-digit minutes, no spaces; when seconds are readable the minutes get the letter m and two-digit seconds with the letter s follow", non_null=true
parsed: 11h44
